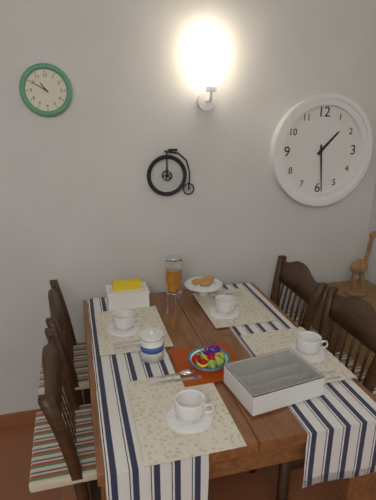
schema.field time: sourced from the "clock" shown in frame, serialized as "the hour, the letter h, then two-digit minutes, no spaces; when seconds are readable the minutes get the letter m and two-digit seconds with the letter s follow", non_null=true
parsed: 1h29
